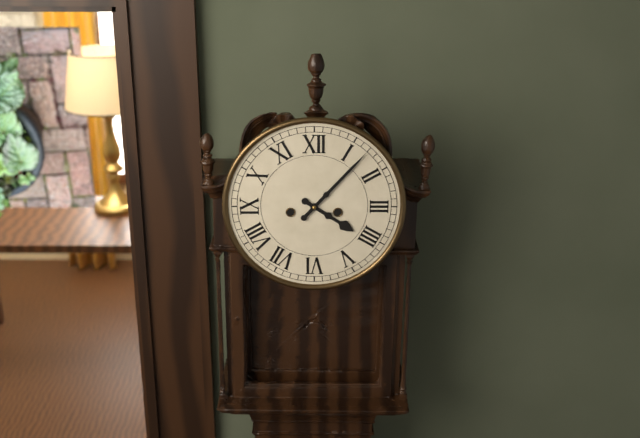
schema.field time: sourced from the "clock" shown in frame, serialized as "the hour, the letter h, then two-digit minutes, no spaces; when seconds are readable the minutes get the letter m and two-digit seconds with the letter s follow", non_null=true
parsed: 4h07
